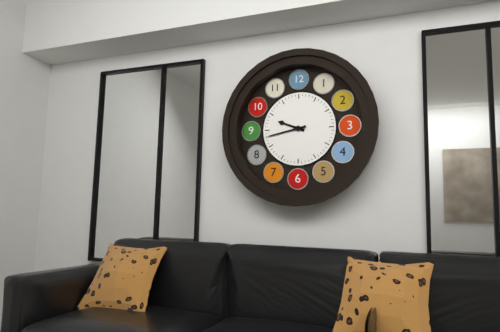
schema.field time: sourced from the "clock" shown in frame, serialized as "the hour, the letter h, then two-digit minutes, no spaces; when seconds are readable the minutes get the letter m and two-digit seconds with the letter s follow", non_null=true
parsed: 9h43
